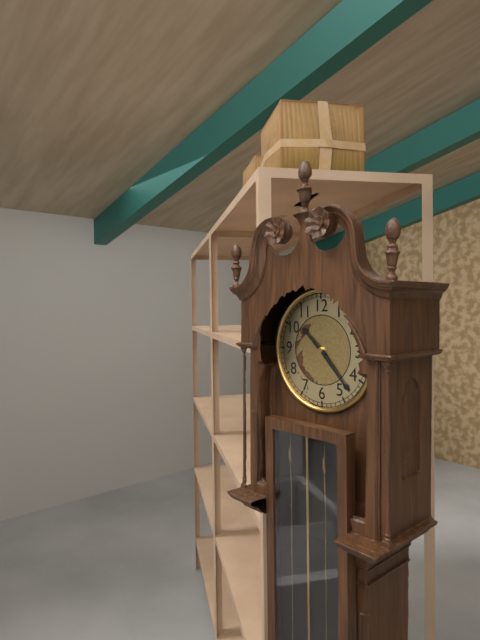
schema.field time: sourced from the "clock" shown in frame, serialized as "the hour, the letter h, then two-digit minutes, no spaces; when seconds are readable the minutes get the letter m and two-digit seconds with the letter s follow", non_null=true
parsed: 10h23
